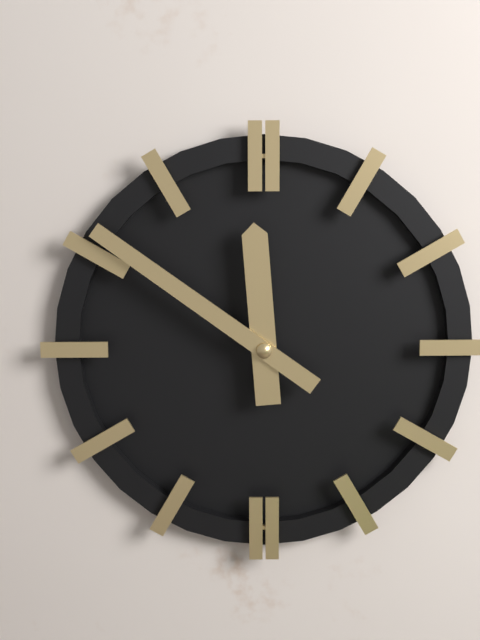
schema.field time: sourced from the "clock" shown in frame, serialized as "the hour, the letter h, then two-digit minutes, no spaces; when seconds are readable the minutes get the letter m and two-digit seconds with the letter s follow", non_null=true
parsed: 11h51
